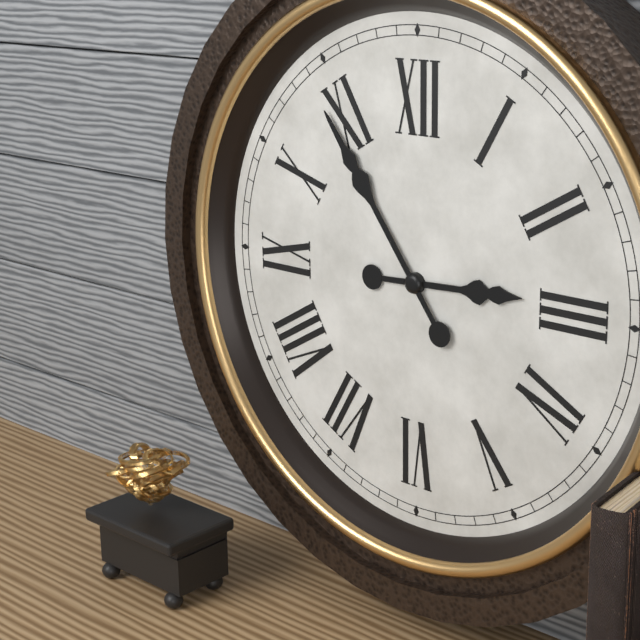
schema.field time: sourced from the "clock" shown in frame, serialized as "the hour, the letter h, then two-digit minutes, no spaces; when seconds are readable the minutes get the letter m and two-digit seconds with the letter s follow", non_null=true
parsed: 2h54
